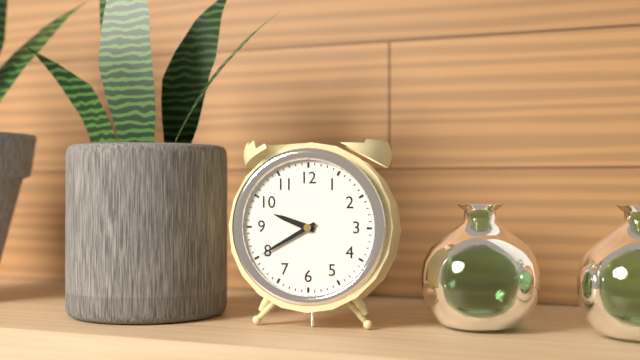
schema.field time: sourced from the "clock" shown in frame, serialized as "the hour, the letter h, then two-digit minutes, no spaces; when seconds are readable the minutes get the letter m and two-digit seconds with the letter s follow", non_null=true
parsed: 9h40
